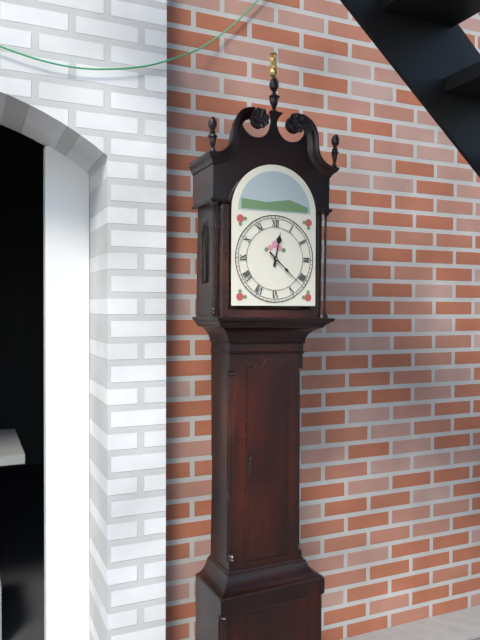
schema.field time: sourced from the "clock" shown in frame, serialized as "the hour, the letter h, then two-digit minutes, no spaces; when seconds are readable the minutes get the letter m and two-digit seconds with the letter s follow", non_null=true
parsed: 12h22
